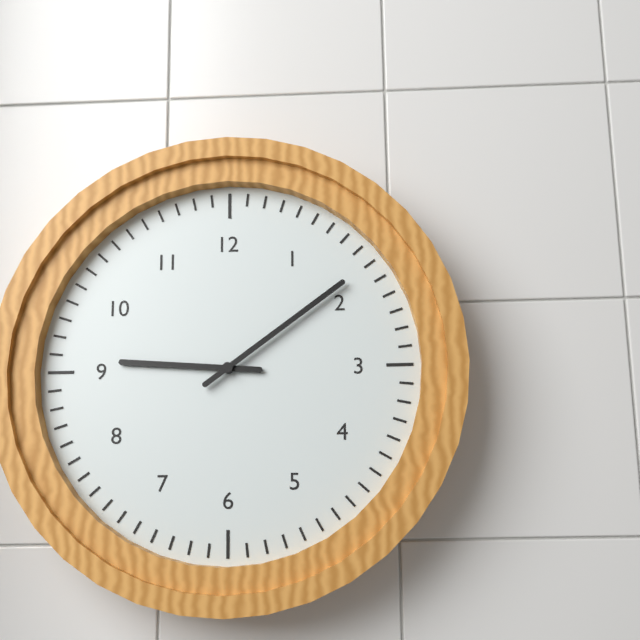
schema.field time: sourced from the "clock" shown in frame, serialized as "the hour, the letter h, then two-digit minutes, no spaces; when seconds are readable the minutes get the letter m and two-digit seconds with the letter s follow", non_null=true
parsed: 9h09
